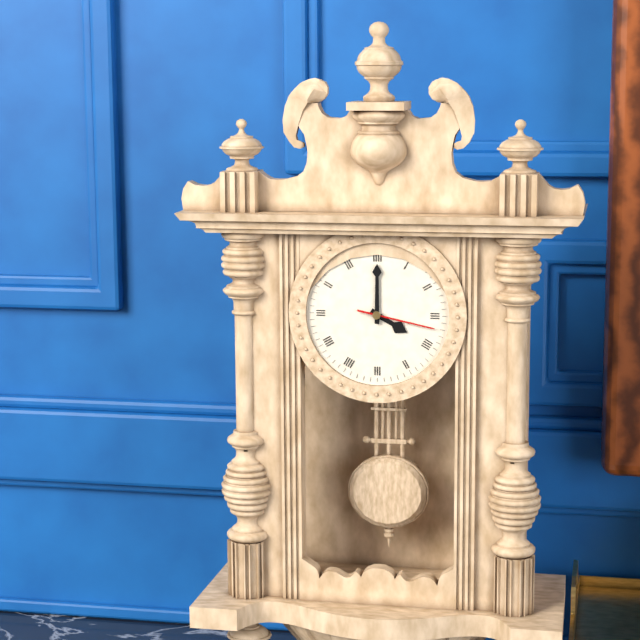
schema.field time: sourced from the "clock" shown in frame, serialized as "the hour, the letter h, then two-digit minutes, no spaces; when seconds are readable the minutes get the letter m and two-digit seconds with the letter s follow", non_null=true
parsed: 4h00m17s
